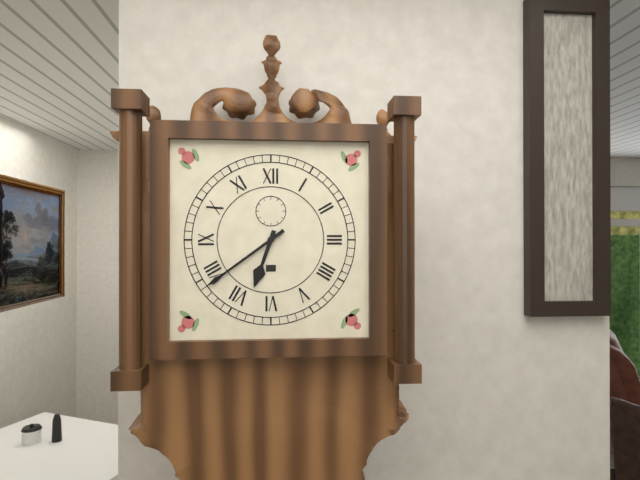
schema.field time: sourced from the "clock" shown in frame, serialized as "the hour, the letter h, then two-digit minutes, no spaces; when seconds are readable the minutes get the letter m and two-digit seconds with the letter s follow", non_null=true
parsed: 6h39
